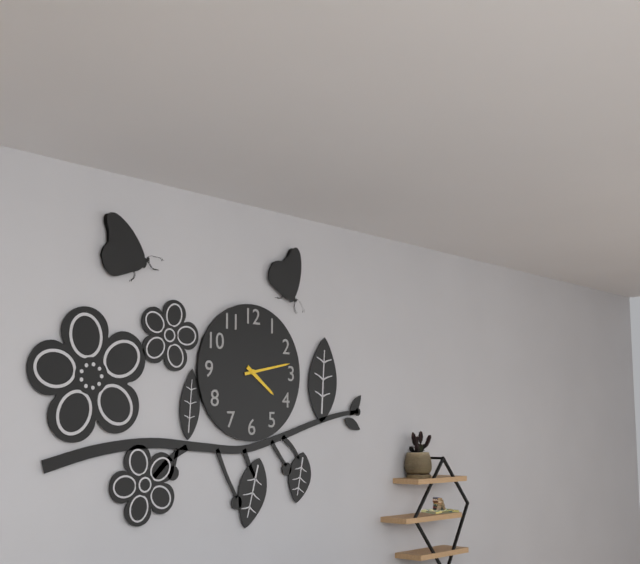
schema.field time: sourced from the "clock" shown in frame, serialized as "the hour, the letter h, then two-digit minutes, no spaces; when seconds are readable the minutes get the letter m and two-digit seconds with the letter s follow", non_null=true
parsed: 4h13
